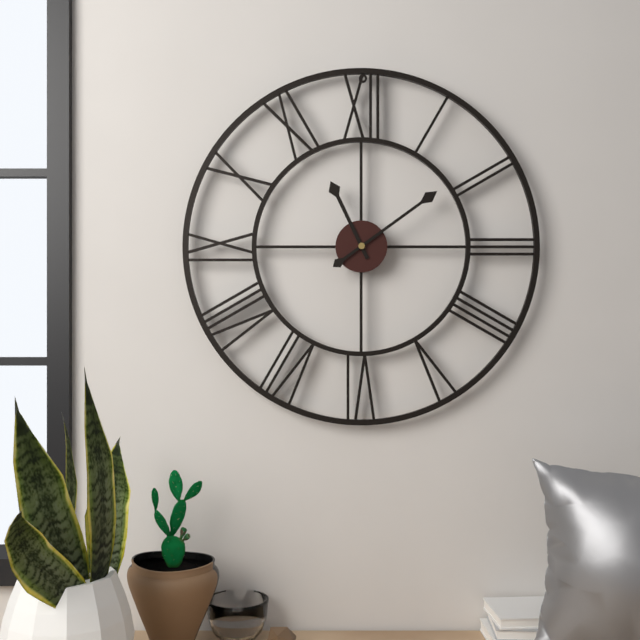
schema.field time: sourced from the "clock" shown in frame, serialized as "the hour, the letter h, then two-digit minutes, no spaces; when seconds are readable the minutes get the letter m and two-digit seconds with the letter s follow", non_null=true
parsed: 11h09
